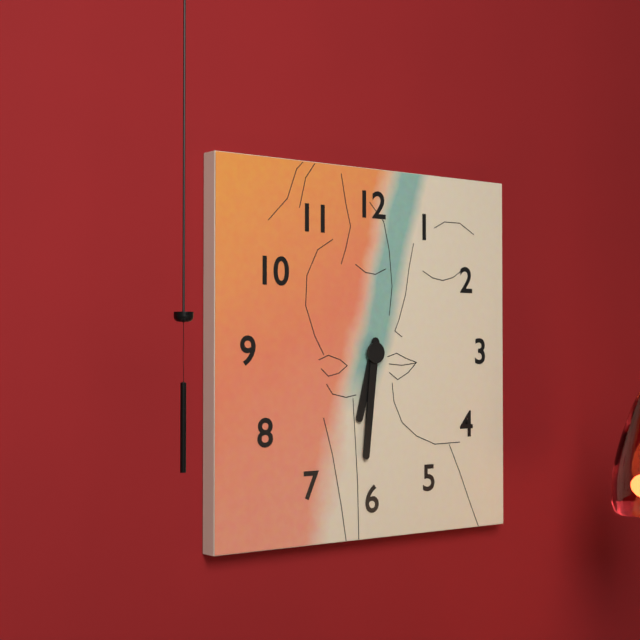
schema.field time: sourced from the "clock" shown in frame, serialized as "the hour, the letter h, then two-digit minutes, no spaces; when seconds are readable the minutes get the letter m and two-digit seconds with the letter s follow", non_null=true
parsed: 6h31
